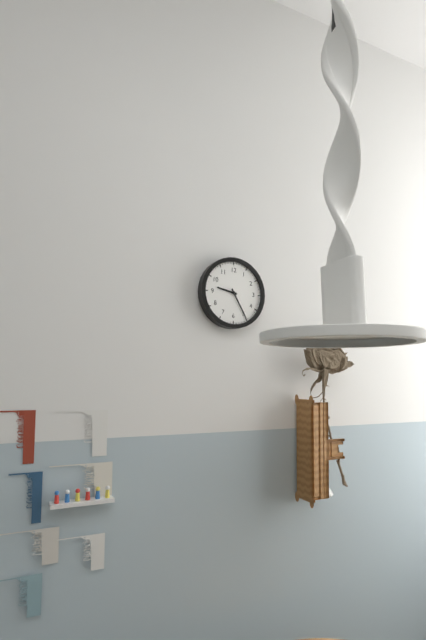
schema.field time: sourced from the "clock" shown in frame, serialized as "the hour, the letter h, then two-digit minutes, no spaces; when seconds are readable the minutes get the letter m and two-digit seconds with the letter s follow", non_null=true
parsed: 9h25
